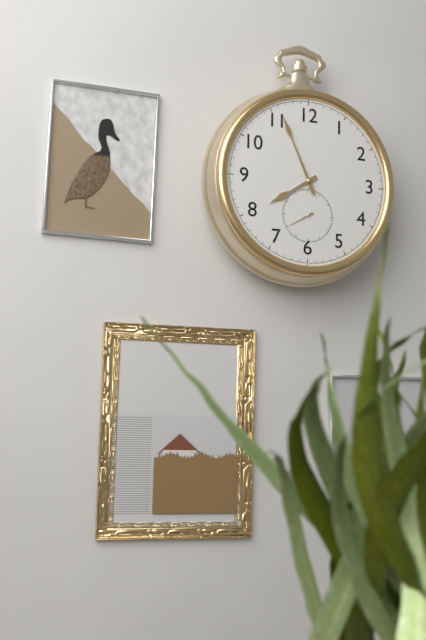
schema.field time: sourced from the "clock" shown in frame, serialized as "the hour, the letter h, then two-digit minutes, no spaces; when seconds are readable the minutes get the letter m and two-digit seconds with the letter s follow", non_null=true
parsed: 7h56
